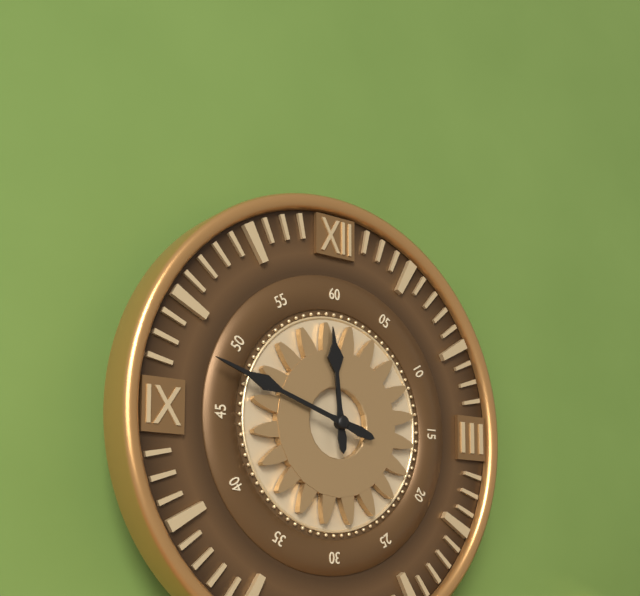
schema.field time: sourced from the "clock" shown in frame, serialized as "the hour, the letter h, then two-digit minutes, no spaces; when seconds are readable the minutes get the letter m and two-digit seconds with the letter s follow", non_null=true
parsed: 11h48
